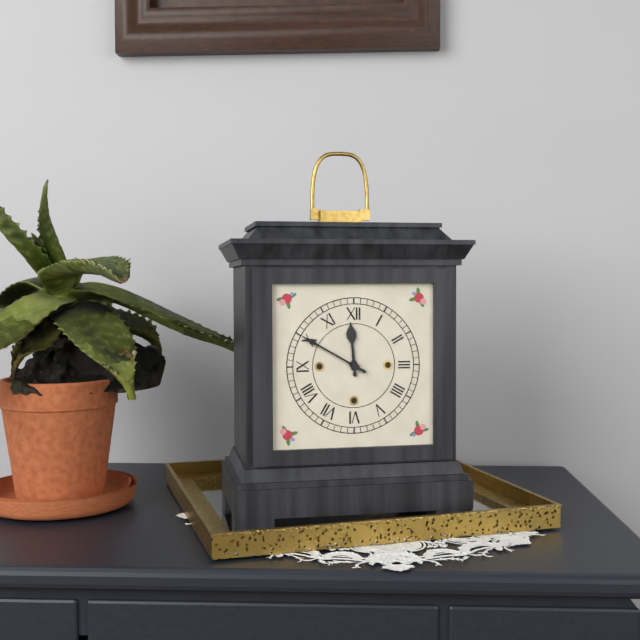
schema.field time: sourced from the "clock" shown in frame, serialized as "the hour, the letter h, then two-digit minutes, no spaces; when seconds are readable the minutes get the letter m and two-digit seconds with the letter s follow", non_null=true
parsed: 11h50
